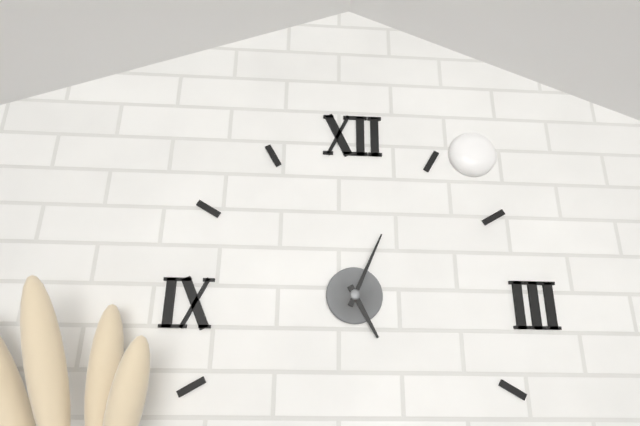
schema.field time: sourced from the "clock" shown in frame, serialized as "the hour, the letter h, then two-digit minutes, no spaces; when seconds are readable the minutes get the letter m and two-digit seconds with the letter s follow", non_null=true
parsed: 5h04
